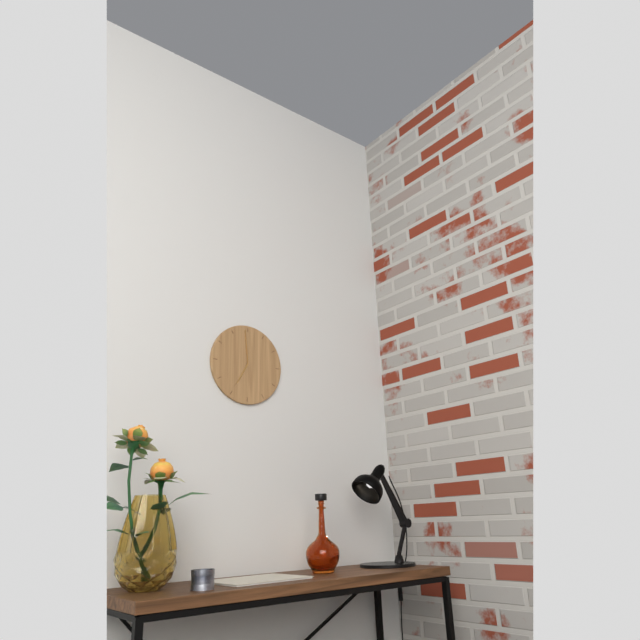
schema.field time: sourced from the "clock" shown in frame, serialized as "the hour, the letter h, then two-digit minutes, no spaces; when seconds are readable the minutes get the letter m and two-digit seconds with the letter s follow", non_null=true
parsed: 6h59
